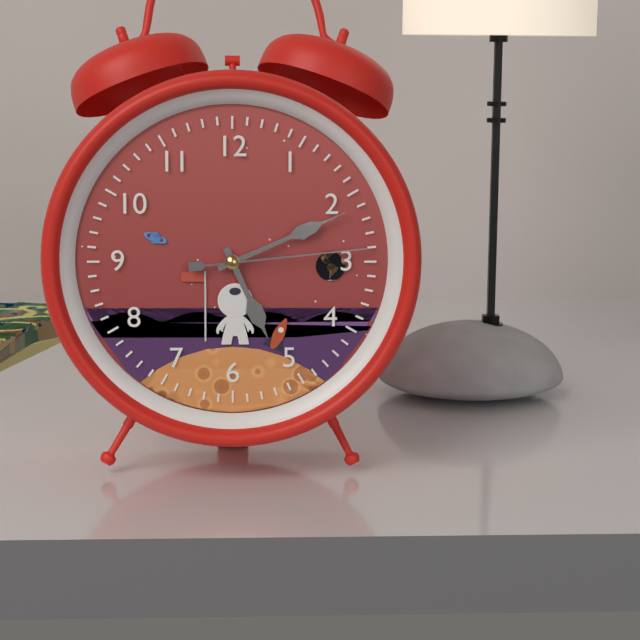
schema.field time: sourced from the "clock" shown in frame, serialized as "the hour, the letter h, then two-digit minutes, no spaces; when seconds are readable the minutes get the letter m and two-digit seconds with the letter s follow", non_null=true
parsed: 5h11m14s
